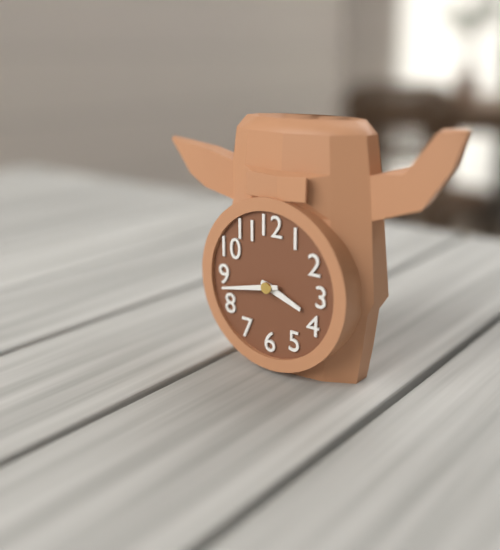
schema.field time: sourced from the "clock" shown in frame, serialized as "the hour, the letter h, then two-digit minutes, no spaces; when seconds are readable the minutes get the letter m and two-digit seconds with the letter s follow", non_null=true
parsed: 3h43
